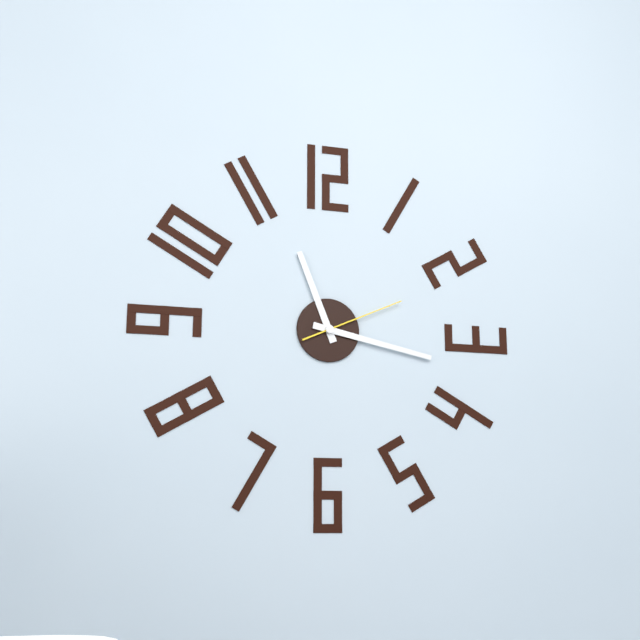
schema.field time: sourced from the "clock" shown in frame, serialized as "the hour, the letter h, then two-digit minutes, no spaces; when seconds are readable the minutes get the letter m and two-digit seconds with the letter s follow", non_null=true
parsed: 11h17m11s
